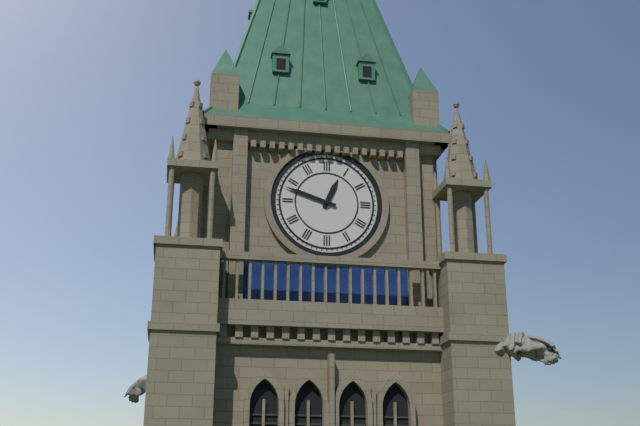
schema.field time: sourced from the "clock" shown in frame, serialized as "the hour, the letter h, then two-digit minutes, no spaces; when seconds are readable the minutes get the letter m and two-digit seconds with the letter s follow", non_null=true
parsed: 12h48
